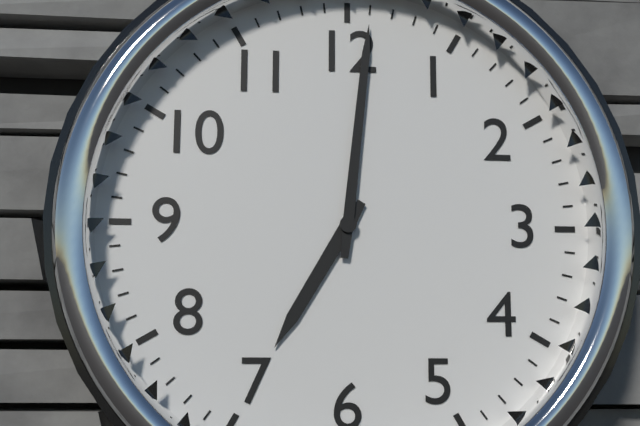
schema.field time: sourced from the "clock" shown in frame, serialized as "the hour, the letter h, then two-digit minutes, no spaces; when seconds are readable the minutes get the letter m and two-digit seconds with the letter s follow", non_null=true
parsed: 7h01
